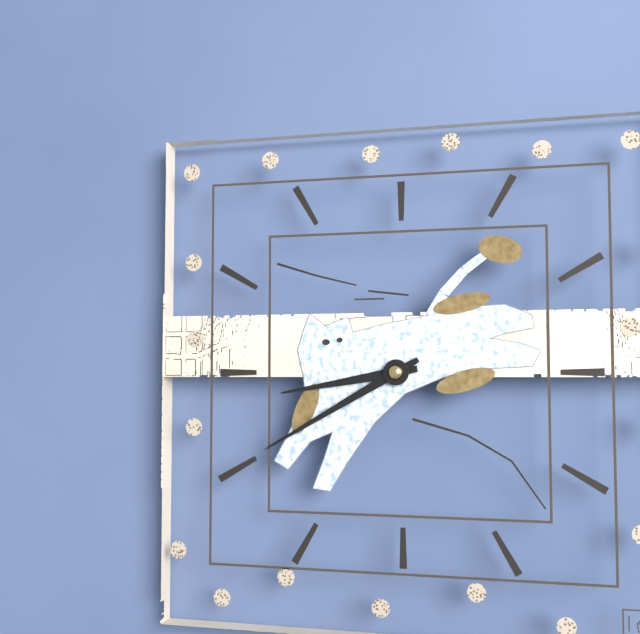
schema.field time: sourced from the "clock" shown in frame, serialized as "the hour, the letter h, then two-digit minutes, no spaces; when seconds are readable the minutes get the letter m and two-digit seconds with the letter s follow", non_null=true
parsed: 8h40
